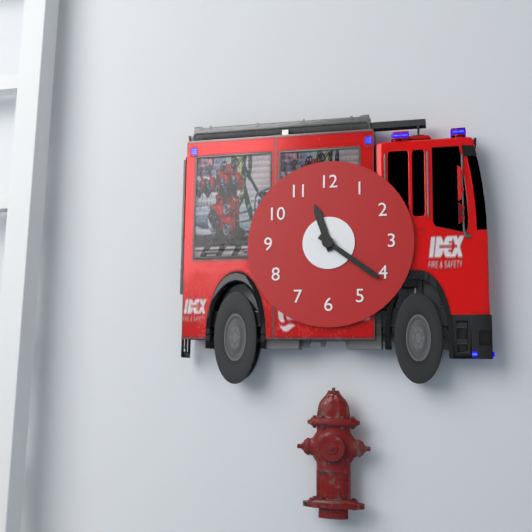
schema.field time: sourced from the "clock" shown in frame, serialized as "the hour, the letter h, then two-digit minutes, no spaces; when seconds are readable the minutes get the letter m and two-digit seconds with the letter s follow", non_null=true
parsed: 11h21
